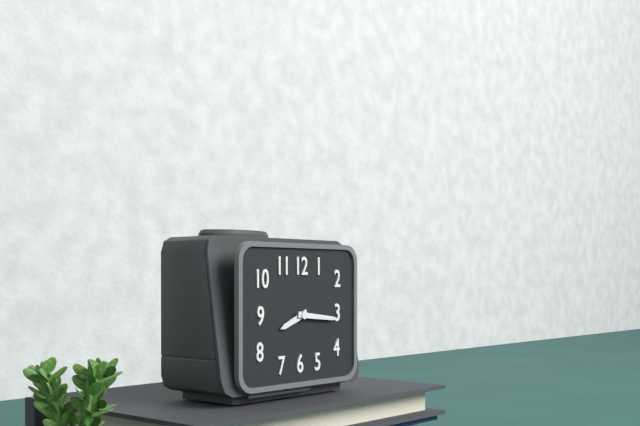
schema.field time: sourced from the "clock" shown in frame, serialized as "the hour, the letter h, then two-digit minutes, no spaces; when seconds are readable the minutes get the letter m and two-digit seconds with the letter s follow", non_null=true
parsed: 8h16
